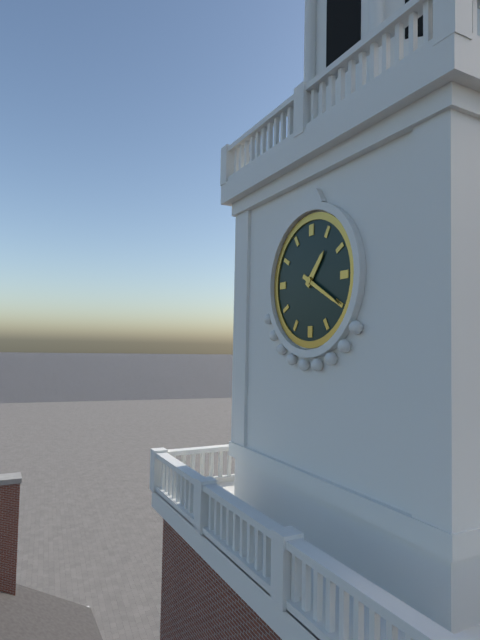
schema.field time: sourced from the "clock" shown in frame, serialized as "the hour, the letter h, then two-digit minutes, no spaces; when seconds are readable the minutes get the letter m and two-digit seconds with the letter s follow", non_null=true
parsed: 1h20
